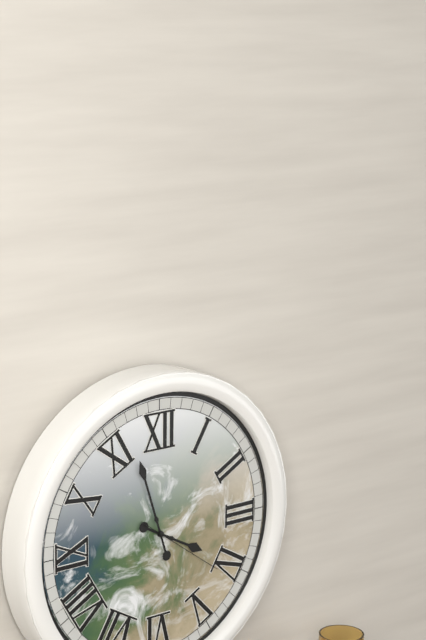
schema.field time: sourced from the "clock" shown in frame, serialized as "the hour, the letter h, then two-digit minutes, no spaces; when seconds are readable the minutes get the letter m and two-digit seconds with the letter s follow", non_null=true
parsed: 3h57m21s
